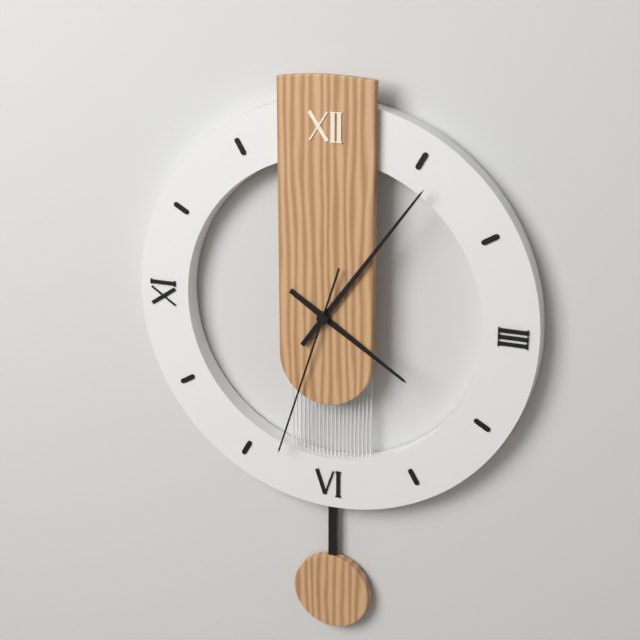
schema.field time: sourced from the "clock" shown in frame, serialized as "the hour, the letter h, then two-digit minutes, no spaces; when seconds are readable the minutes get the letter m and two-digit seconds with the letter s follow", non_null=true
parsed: 4h06m33s
